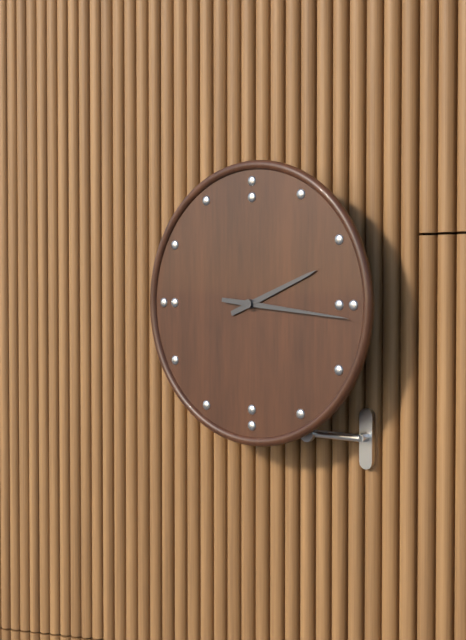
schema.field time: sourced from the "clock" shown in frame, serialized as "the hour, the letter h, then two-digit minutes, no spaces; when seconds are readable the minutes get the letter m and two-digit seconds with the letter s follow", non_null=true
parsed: 2h16
